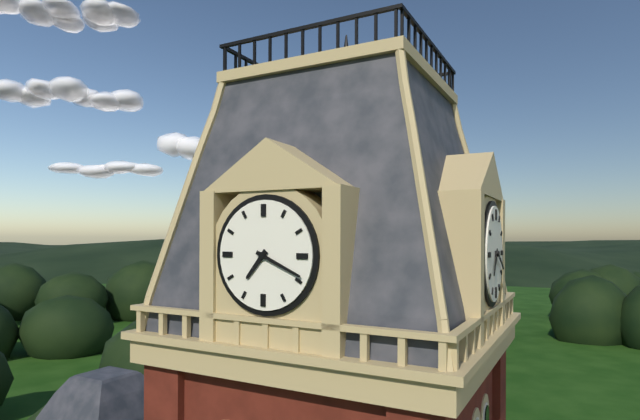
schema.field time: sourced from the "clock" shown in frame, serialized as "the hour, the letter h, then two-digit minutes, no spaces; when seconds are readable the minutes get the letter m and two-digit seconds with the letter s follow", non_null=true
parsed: 7h19
